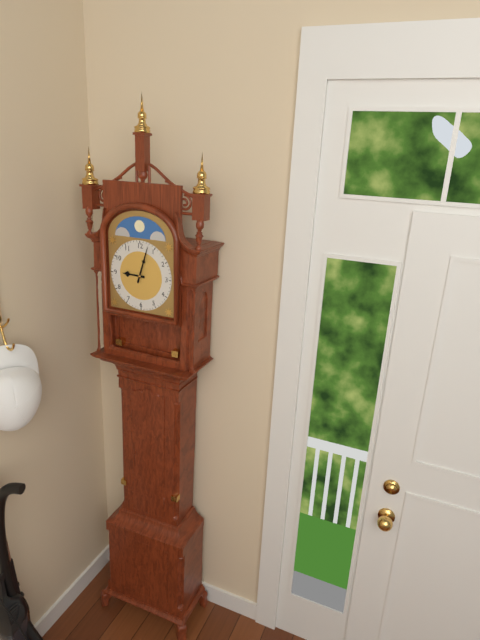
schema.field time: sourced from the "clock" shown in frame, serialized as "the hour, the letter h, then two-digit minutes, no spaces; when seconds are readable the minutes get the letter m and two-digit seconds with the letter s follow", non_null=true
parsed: 9h03
